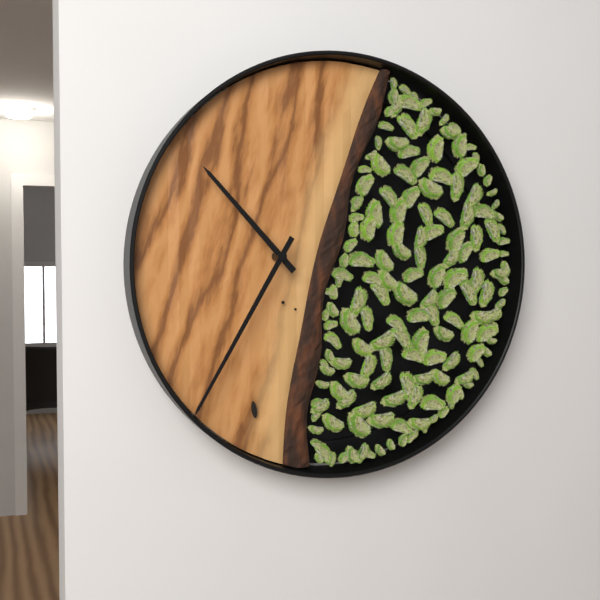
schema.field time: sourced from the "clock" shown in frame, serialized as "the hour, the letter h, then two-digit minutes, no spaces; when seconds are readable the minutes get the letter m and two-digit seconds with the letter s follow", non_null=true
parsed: 10h35
